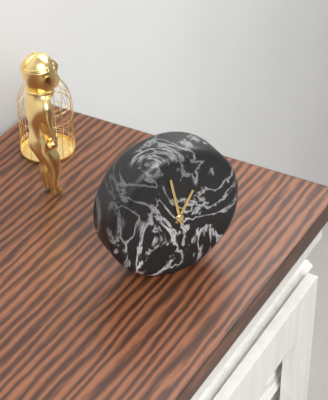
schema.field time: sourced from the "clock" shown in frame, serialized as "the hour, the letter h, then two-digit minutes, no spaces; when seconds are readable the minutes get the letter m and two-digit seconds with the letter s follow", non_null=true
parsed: 12h58
